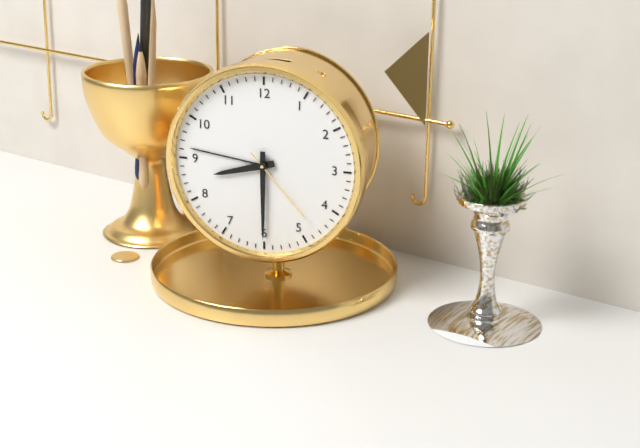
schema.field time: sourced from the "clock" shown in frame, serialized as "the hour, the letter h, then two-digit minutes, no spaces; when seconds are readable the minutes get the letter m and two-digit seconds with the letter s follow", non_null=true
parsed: 8h30m23s
